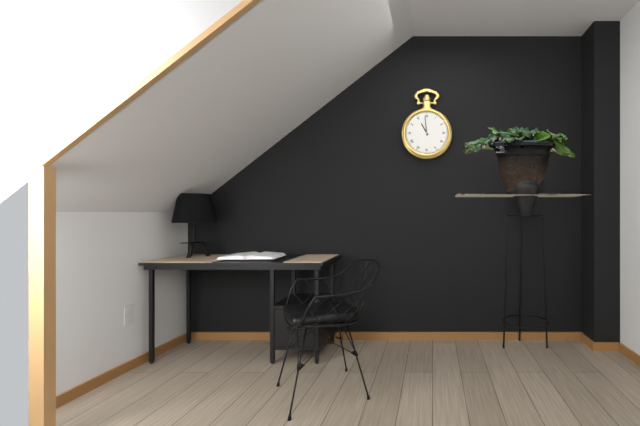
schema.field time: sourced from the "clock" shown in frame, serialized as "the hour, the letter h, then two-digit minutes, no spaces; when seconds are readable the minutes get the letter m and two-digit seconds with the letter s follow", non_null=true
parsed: 10h59
